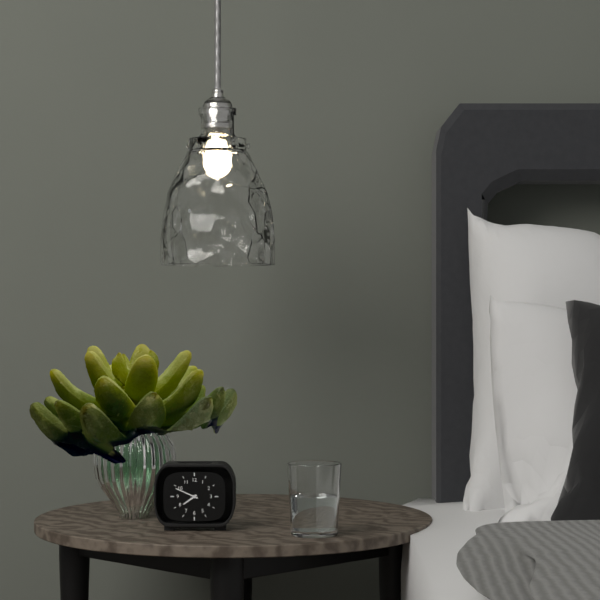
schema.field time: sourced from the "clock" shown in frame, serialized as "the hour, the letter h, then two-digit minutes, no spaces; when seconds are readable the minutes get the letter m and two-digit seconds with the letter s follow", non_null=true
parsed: 7h49
